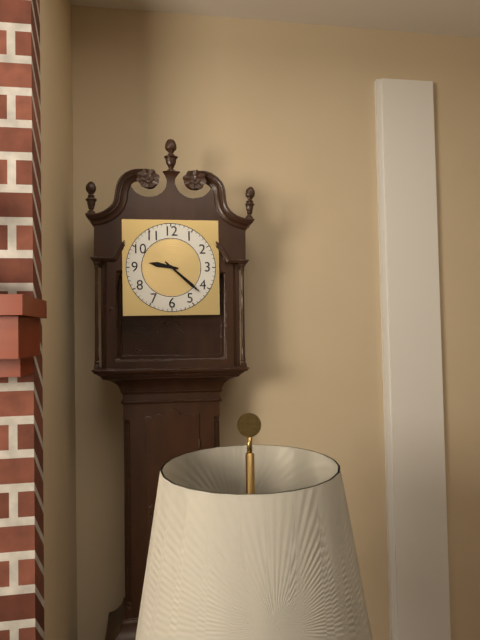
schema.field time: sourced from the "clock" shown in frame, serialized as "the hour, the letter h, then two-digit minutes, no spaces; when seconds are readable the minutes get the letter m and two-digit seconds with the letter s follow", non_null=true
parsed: 9h22
